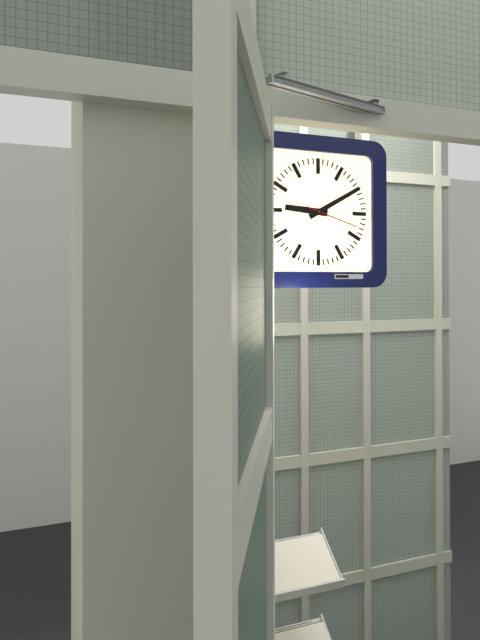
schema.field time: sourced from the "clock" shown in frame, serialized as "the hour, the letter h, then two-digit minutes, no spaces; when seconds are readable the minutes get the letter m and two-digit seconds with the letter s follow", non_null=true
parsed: 9h10m18s
